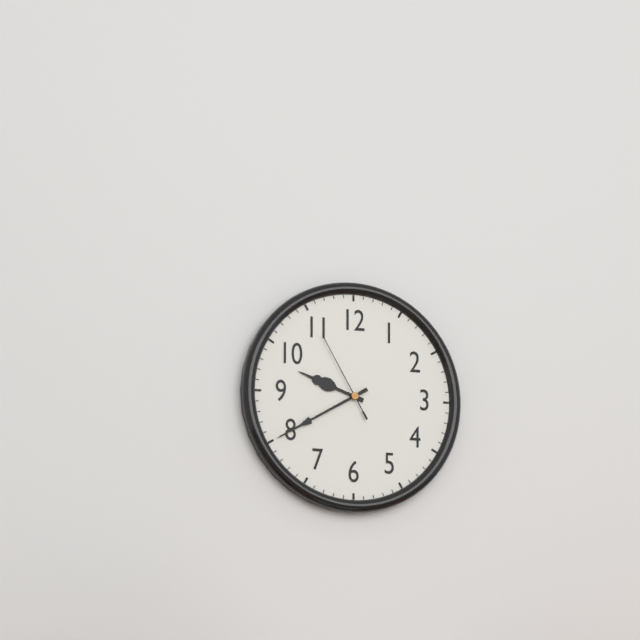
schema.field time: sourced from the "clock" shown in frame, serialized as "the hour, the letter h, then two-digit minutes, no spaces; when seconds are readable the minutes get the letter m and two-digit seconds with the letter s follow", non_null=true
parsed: 9h40m55s
